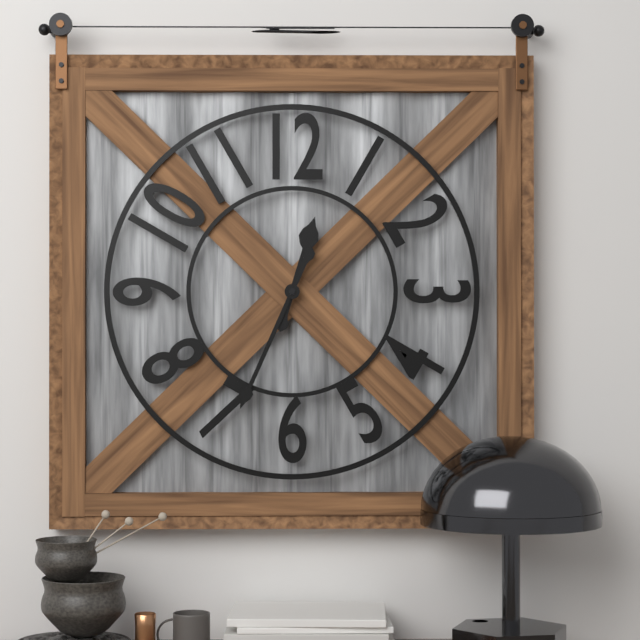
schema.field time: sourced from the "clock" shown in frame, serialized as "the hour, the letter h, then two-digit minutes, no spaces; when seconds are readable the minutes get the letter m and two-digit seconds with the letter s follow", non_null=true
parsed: 12h34
